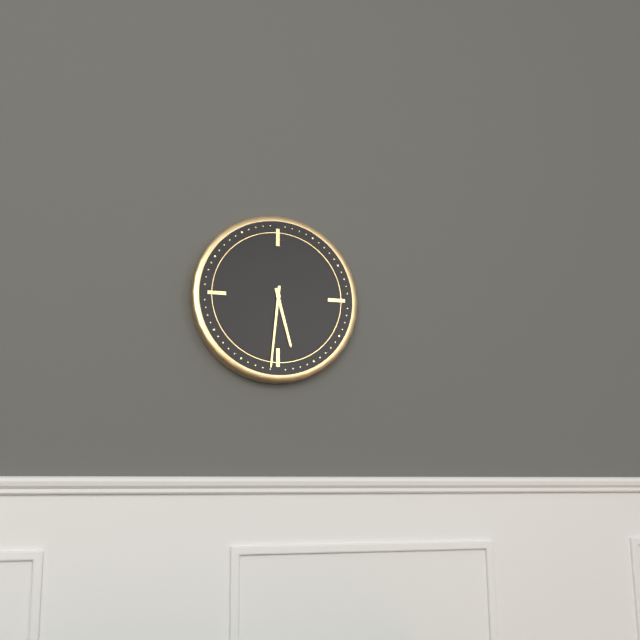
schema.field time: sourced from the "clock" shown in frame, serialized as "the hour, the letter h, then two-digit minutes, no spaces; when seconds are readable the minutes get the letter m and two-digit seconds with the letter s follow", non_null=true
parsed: 5h31
